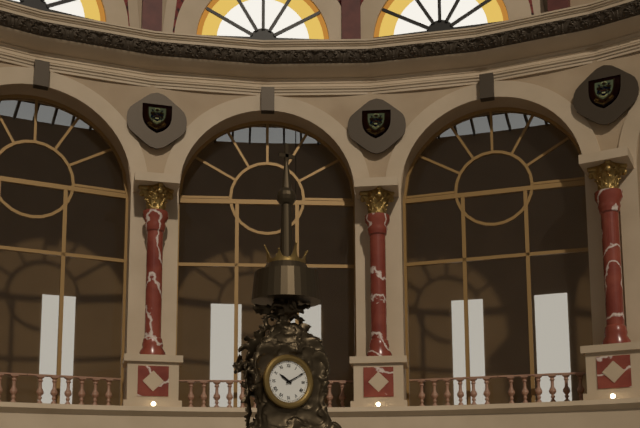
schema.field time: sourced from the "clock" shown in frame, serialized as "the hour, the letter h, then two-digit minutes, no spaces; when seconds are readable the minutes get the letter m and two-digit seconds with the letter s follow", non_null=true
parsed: 10h10
